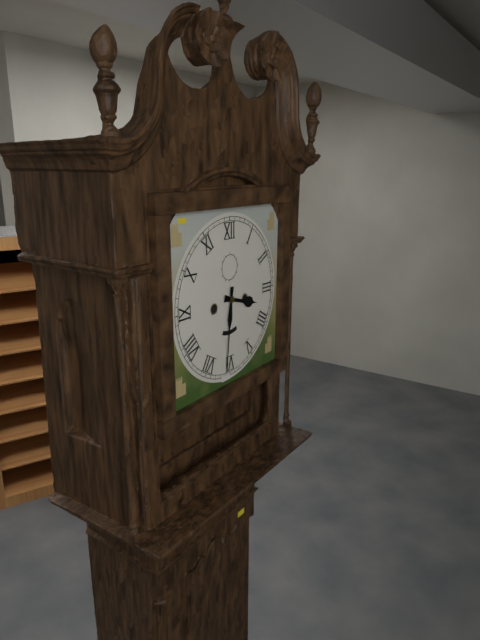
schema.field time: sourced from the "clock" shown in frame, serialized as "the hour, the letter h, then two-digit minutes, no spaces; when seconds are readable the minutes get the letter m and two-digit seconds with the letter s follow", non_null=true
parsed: 3h31
